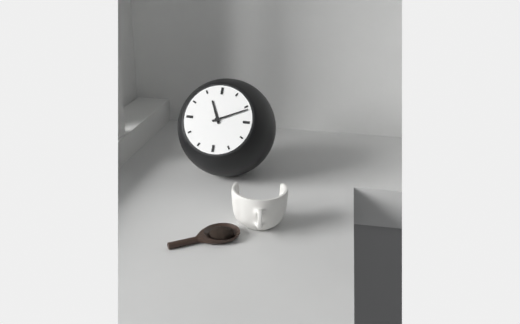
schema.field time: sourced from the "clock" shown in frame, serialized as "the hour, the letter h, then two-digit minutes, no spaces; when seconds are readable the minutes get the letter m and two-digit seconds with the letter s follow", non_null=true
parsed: 11h11
